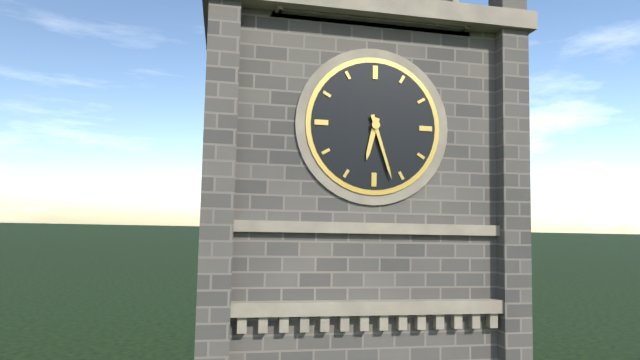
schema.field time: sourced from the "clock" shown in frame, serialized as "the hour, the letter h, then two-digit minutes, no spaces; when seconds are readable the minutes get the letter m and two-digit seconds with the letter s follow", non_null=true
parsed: 6h27
